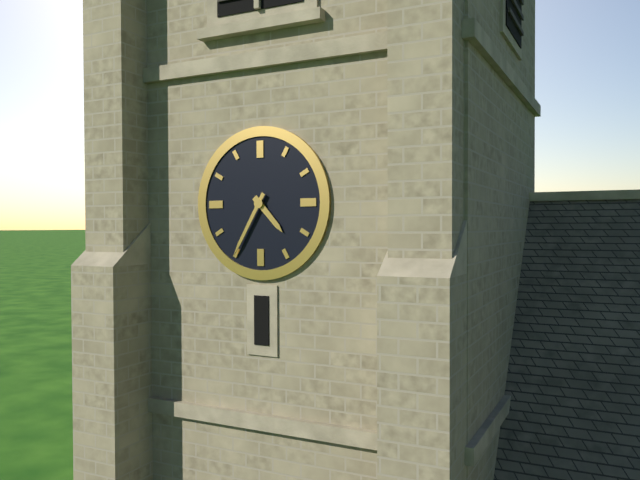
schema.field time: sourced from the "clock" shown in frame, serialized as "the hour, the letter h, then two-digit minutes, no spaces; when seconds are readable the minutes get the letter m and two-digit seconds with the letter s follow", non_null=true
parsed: 4h35
